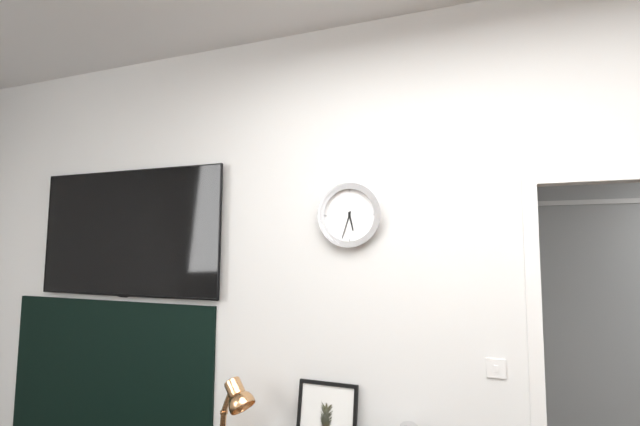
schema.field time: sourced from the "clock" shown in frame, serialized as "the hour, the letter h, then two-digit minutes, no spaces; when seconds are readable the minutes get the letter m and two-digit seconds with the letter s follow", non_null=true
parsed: 5h33
